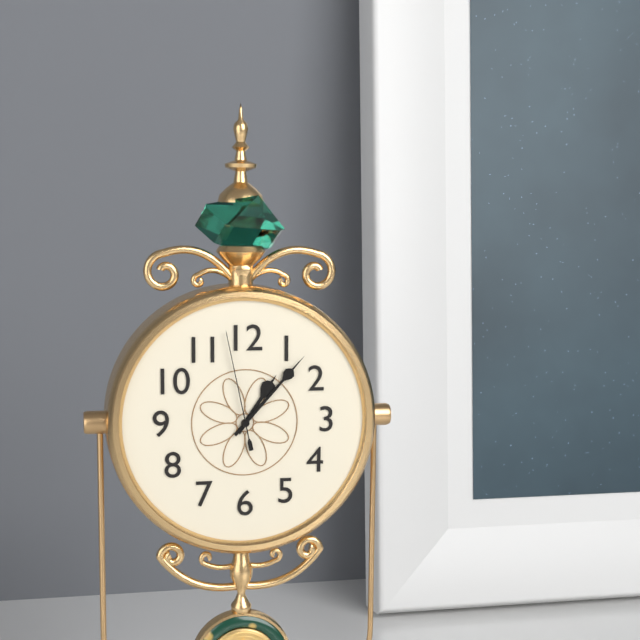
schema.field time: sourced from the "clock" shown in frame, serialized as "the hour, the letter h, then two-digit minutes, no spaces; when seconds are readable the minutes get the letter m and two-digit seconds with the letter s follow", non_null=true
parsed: 1h07m58s
